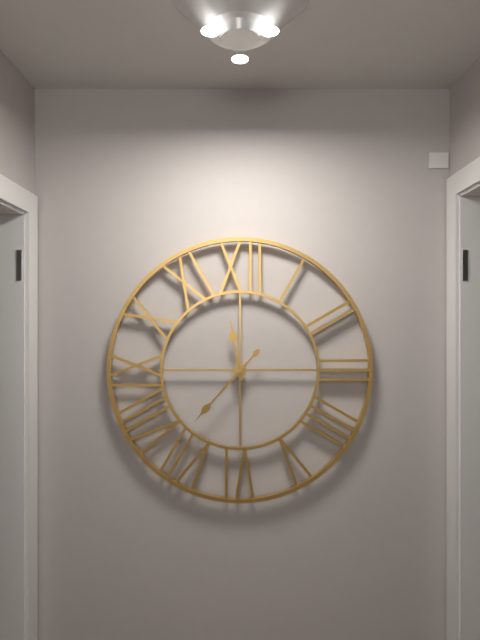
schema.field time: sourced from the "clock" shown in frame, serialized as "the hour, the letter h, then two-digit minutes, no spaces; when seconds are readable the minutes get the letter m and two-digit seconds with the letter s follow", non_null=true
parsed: 11h37
